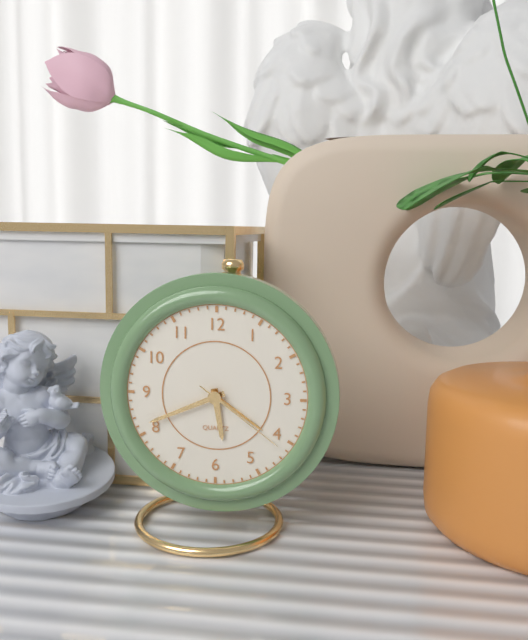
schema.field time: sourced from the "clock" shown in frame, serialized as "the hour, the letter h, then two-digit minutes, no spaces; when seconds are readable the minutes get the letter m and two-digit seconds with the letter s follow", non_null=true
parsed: 5h41m21s
